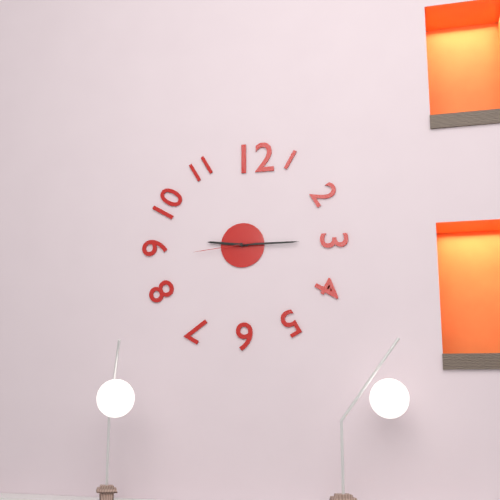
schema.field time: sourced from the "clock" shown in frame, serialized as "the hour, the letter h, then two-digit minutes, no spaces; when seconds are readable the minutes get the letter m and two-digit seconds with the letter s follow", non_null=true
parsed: 9h15m44s
